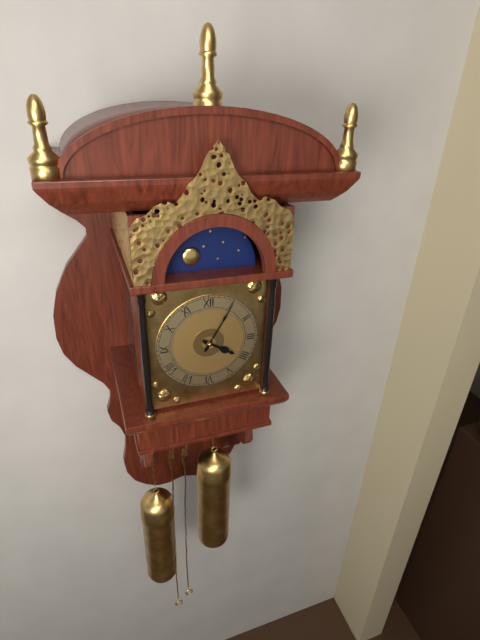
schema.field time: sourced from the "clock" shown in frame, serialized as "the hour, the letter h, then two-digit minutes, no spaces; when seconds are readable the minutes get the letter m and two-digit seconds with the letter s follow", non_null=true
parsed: 4h05
